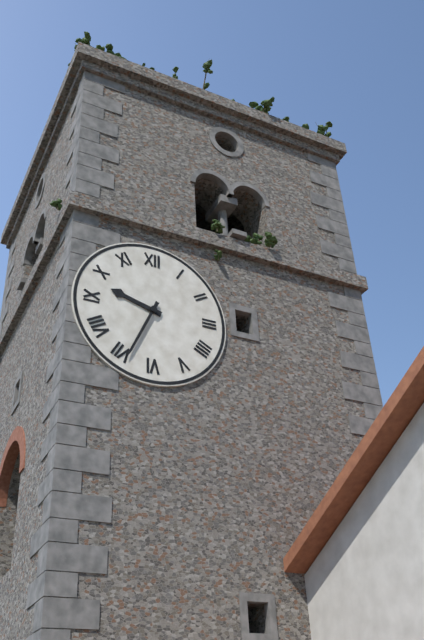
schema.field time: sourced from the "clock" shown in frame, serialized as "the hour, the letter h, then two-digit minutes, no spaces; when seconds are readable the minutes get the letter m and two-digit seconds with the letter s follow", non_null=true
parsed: 9h34
